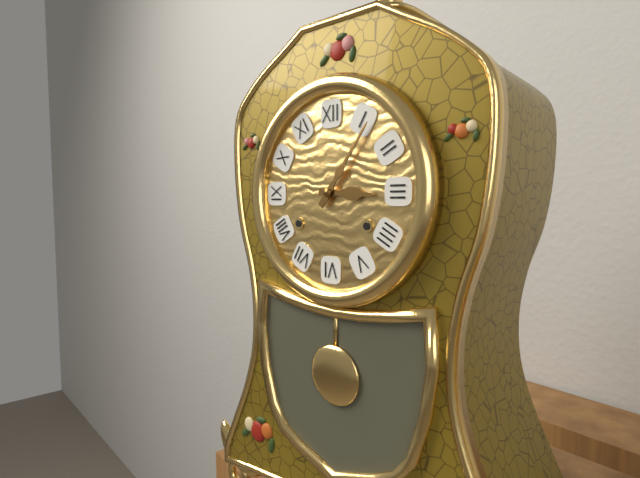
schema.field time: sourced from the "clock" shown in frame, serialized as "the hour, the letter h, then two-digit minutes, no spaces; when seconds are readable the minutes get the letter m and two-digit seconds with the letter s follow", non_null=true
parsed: 3h06
